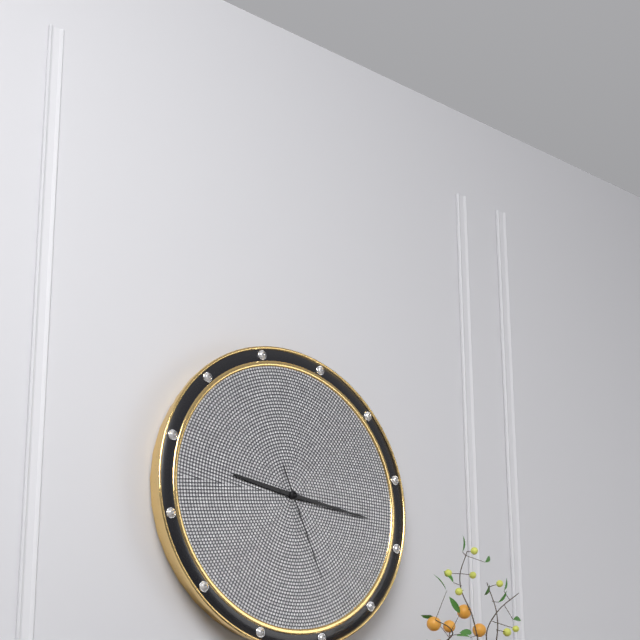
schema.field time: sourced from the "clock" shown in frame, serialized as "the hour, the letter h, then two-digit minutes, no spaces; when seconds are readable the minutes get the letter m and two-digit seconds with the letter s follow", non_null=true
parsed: 9h16m26s
